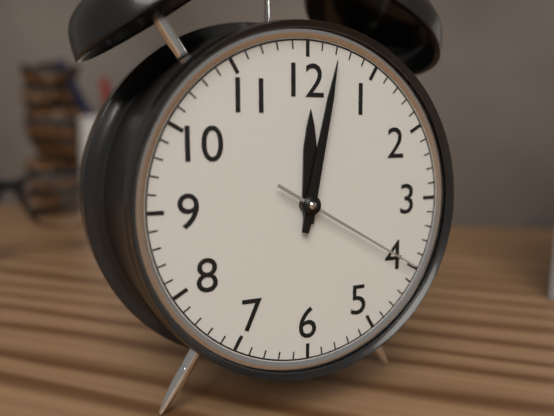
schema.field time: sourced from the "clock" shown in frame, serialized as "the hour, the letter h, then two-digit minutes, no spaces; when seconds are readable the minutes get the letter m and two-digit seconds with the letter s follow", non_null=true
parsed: 12h02m20s
